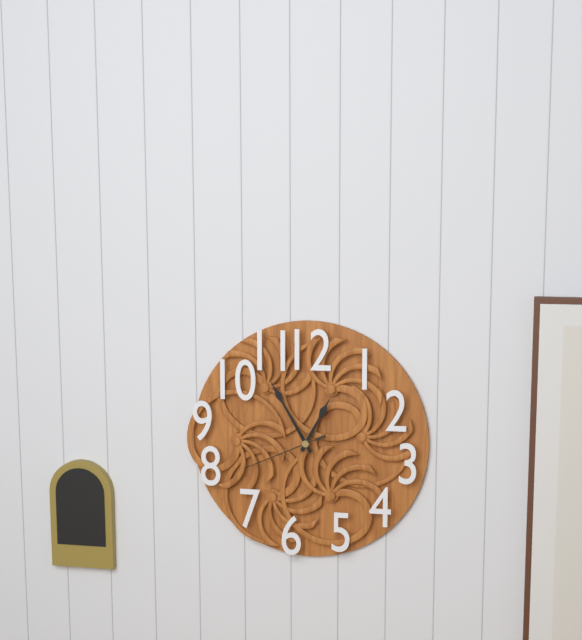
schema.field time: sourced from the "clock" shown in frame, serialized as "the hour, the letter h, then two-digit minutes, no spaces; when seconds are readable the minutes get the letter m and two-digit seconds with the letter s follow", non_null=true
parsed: 12h55m41s
